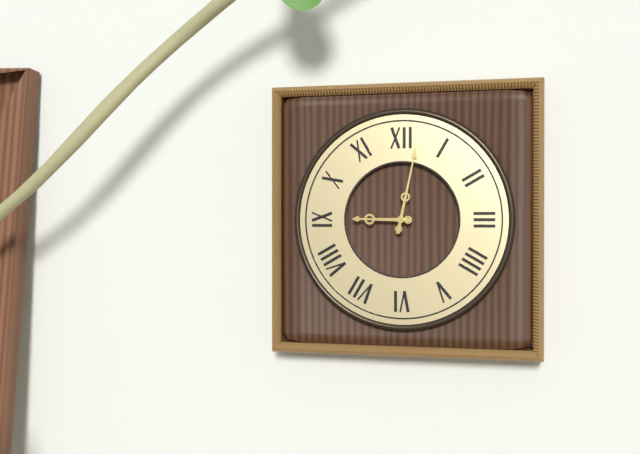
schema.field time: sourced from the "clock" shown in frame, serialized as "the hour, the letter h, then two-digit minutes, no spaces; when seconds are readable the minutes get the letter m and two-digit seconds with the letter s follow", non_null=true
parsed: 9h02
